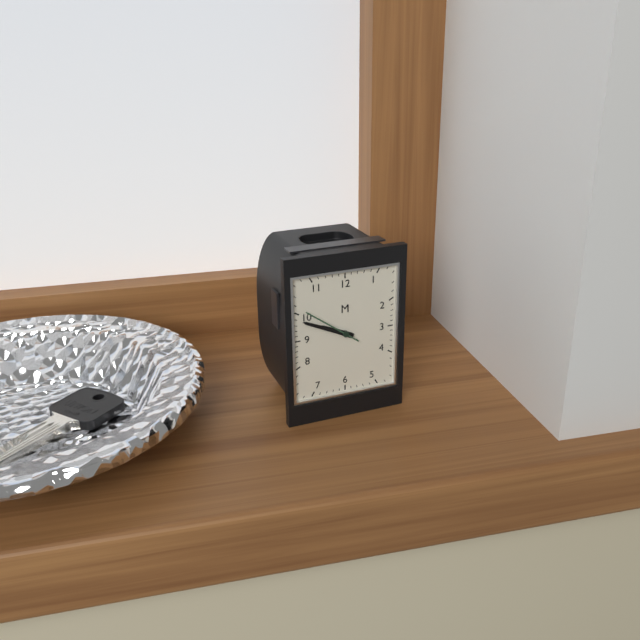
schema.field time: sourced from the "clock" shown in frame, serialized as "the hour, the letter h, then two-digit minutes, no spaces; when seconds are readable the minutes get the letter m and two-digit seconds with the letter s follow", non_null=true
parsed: 9h49m51s
